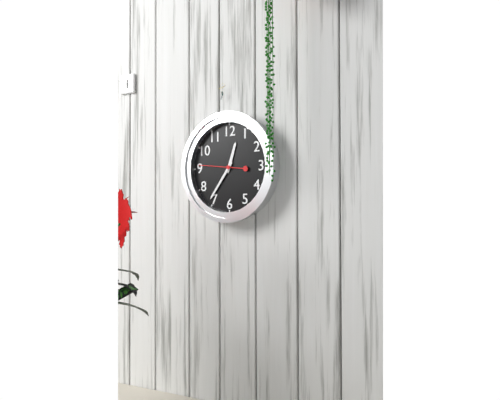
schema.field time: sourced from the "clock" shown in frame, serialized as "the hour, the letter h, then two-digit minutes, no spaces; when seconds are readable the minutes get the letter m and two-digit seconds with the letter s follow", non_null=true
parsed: 12h36
